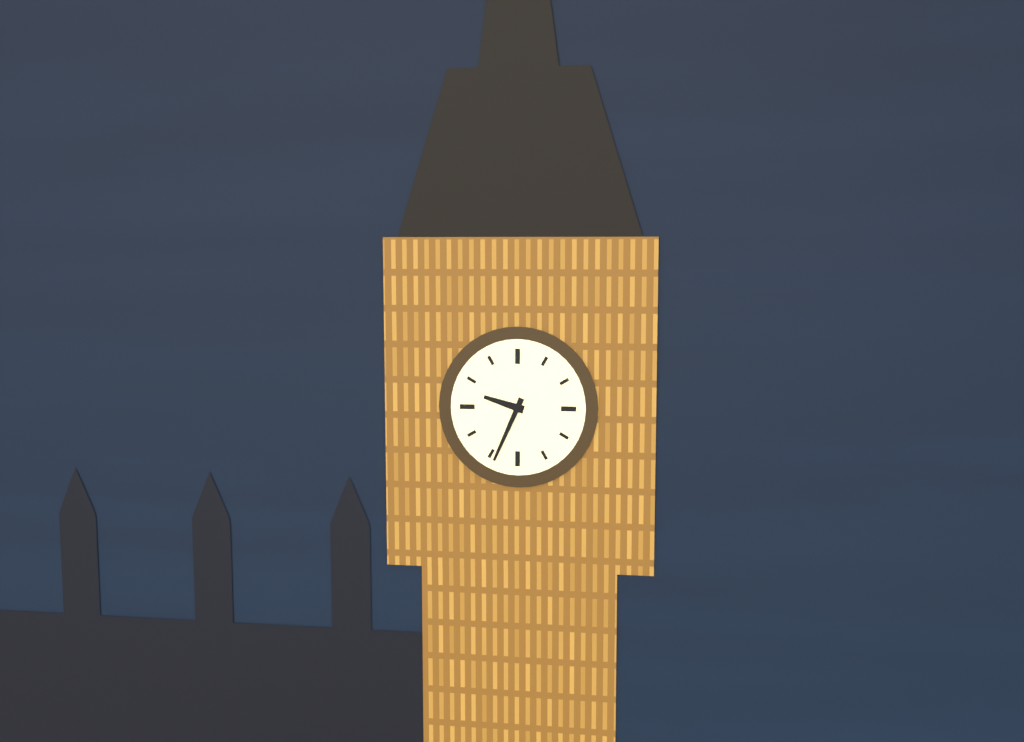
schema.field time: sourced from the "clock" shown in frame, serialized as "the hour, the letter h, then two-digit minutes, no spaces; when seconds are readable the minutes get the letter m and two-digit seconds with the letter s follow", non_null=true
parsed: 9h34
